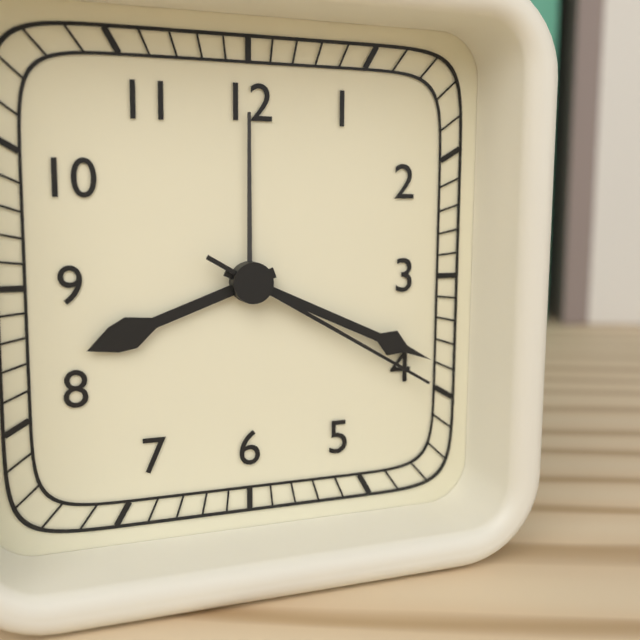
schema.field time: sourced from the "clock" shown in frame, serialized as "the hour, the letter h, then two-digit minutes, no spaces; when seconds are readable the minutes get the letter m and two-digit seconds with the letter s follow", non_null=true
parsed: 8h19m20s
